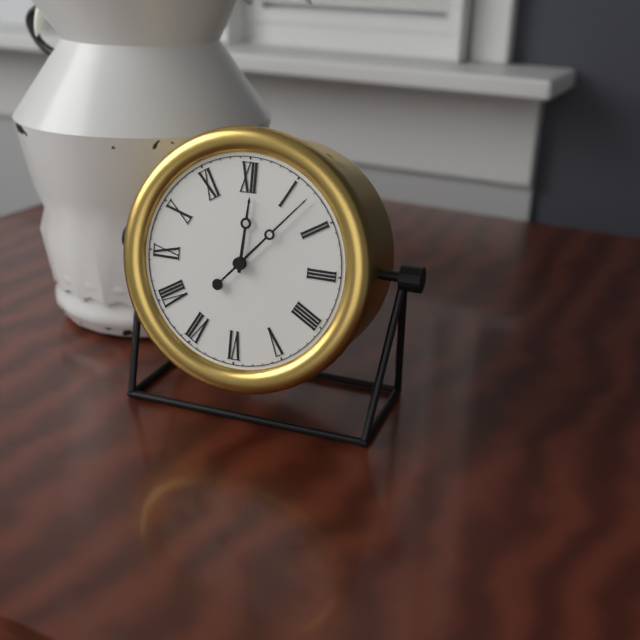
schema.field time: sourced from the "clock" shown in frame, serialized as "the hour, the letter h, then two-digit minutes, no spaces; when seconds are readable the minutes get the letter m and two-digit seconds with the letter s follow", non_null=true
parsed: 12h07
